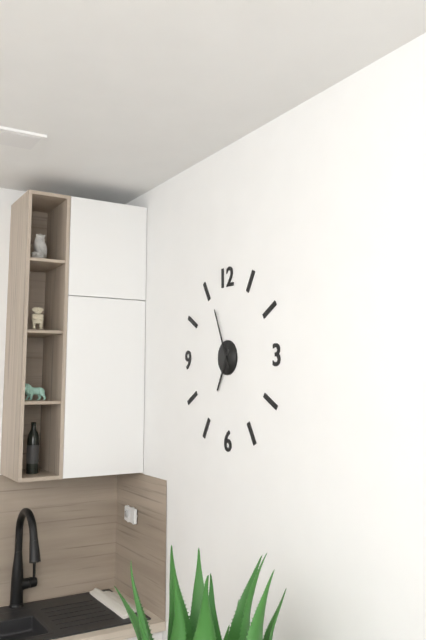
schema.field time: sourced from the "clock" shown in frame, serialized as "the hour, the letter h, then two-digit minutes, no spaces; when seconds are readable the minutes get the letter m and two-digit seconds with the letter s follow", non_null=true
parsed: 6h56
